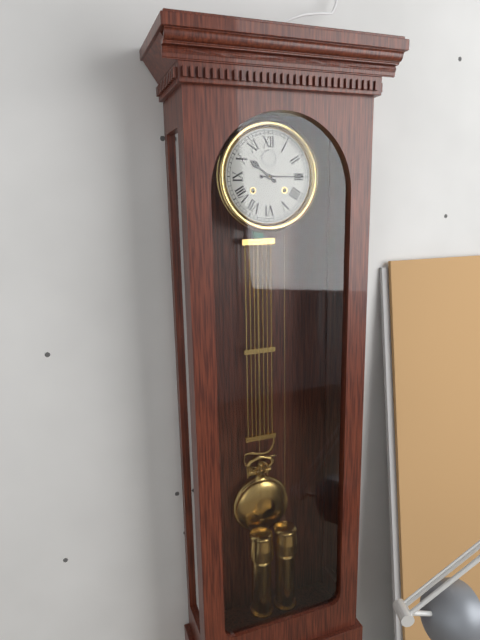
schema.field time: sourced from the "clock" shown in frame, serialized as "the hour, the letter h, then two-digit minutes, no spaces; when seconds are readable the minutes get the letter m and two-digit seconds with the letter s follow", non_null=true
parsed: 10h15
